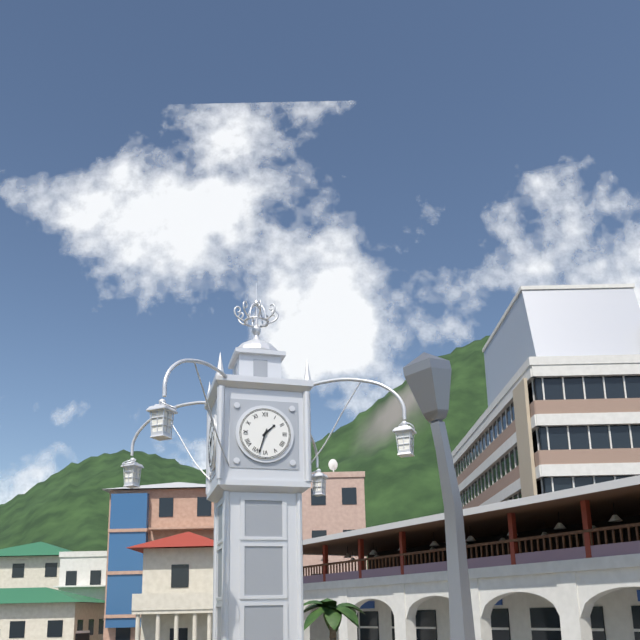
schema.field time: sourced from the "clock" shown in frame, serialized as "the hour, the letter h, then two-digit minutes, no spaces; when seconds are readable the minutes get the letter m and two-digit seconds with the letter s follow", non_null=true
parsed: 1h33
